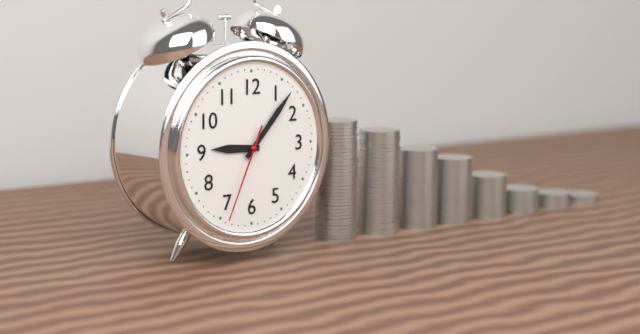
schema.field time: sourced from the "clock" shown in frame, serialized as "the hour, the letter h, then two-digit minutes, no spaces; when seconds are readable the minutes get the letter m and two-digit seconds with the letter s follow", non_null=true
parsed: 9h07m34s
